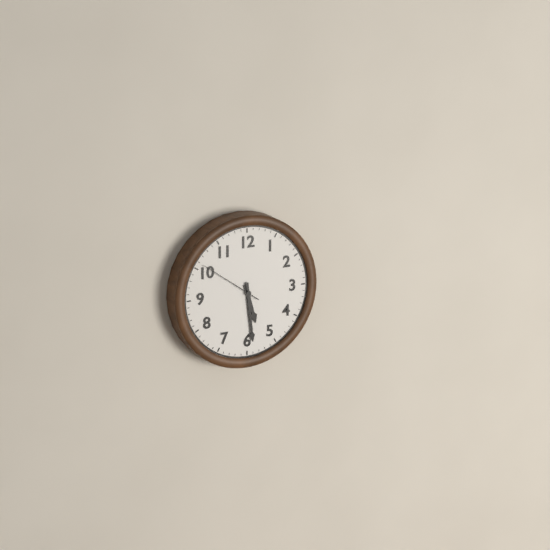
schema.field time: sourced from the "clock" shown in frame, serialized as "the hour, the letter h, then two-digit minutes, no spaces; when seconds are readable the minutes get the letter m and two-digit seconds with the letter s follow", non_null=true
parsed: 5h29m51s
